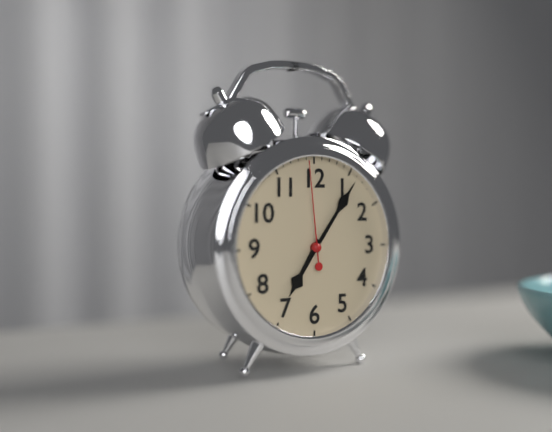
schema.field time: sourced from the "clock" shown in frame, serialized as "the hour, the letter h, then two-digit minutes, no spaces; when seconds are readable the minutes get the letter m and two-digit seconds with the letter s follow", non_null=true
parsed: 7h06m59s
